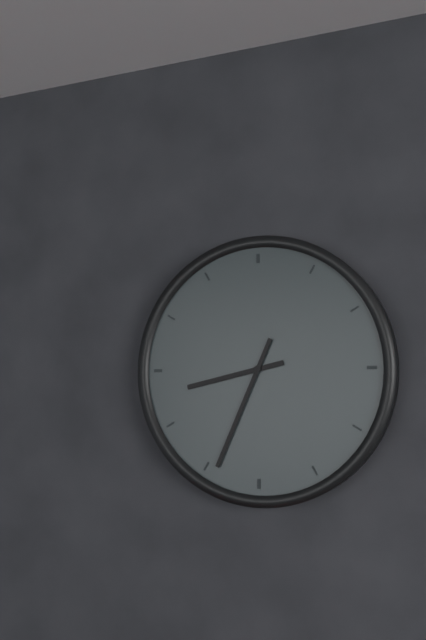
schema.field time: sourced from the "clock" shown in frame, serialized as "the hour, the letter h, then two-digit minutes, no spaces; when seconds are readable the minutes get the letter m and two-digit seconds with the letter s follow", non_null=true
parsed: 8h34
